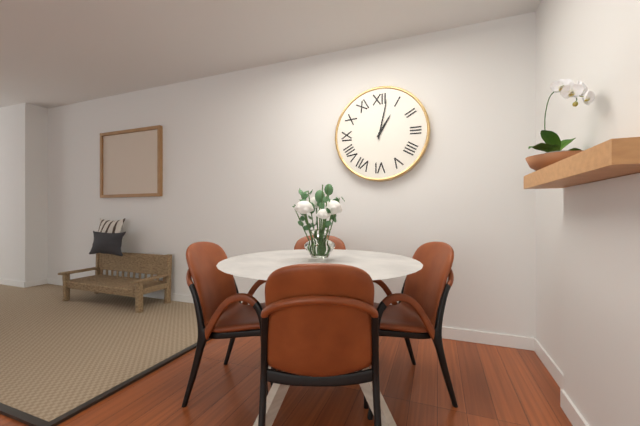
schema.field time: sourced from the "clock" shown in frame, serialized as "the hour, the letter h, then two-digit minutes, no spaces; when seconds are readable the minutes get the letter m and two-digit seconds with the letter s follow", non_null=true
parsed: 1h02
